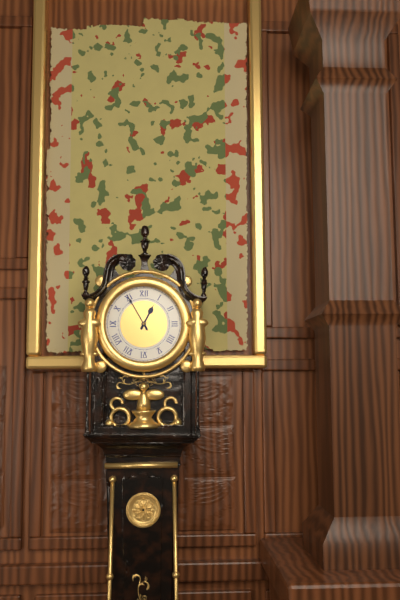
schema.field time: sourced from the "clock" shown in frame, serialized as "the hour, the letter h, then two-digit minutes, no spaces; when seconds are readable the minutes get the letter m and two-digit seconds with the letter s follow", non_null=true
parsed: 12h55
